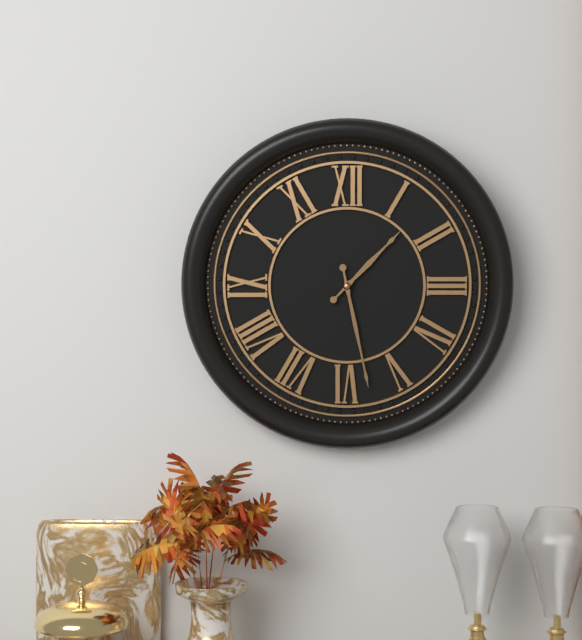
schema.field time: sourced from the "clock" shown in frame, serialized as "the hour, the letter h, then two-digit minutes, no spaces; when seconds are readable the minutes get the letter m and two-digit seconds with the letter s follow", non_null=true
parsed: 1h28
